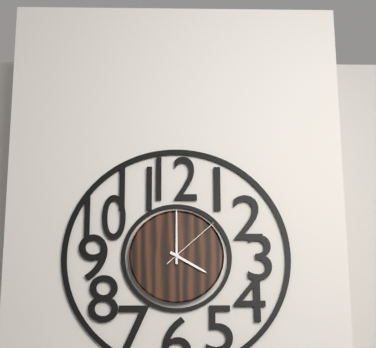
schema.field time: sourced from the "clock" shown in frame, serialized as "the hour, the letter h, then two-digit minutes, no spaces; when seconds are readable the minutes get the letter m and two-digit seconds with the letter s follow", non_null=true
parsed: 4h00m08s
